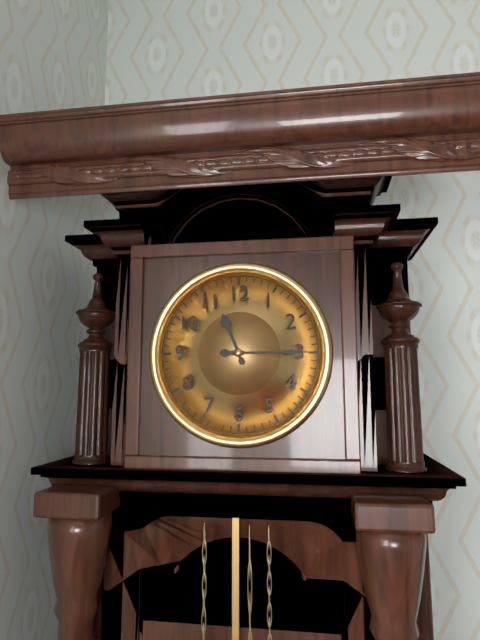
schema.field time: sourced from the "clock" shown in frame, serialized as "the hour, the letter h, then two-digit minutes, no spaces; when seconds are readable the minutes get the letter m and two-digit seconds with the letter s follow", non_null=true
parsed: 11h15
